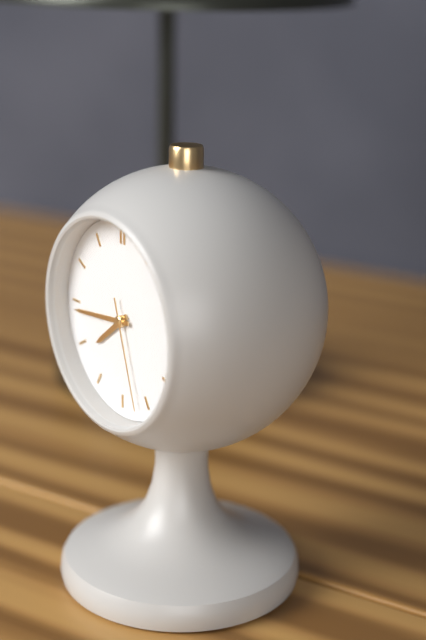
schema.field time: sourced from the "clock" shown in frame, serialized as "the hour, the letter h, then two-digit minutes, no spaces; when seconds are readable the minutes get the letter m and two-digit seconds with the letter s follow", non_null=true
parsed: 7h44m27s
